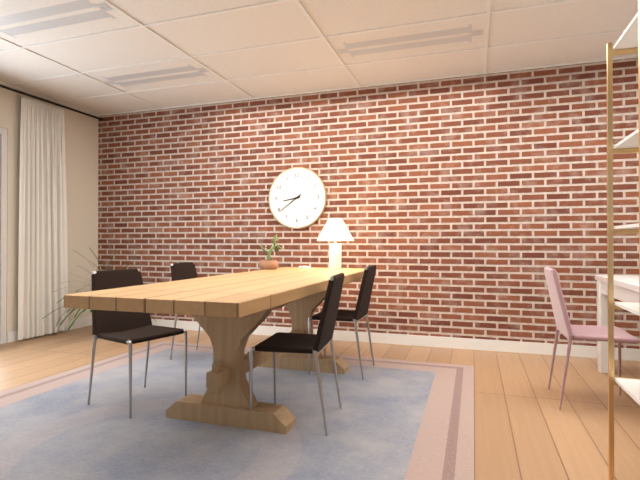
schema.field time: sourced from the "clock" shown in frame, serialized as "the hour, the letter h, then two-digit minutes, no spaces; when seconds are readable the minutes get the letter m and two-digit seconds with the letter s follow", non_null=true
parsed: 8h39
